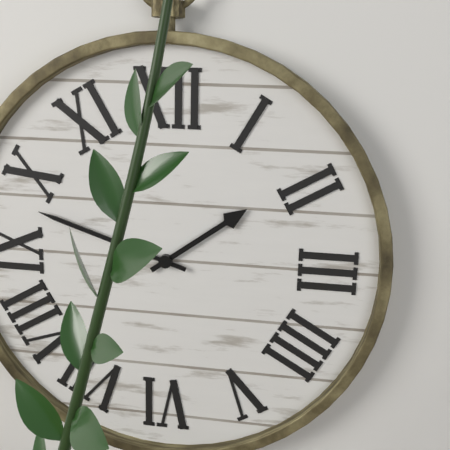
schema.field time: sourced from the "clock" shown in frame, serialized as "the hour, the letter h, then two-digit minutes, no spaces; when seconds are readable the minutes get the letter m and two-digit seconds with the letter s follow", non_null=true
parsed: 1h48
